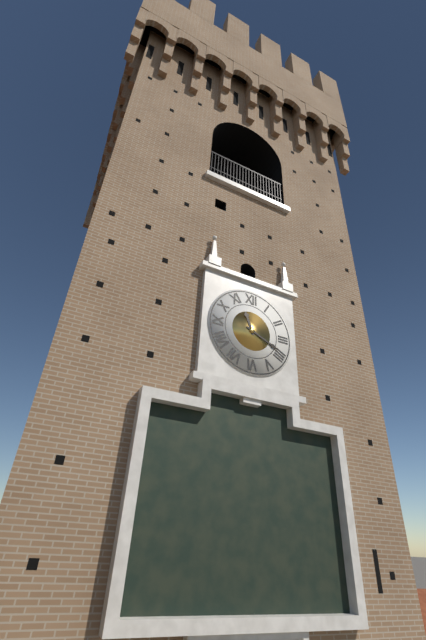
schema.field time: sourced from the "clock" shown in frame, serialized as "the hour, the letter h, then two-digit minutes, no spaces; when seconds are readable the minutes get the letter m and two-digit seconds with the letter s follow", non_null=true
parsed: 11h19
